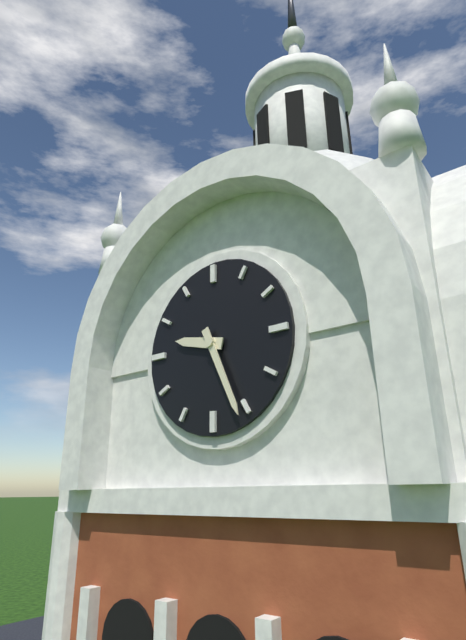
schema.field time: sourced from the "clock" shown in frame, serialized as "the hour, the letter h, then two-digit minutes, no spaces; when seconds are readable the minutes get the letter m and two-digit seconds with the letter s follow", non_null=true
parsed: 9h26
